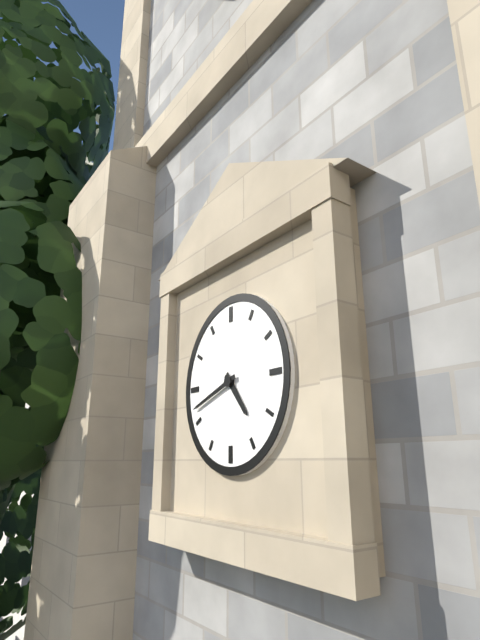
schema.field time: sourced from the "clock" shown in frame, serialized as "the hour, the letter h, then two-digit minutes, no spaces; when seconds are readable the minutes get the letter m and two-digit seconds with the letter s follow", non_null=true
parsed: 4h42
